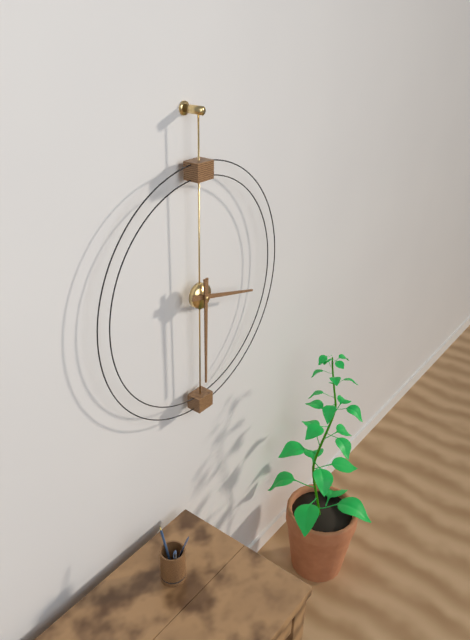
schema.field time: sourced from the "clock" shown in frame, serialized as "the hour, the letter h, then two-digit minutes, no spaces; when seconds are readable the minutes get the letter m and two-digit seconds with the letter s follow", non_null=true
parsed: 3h30
